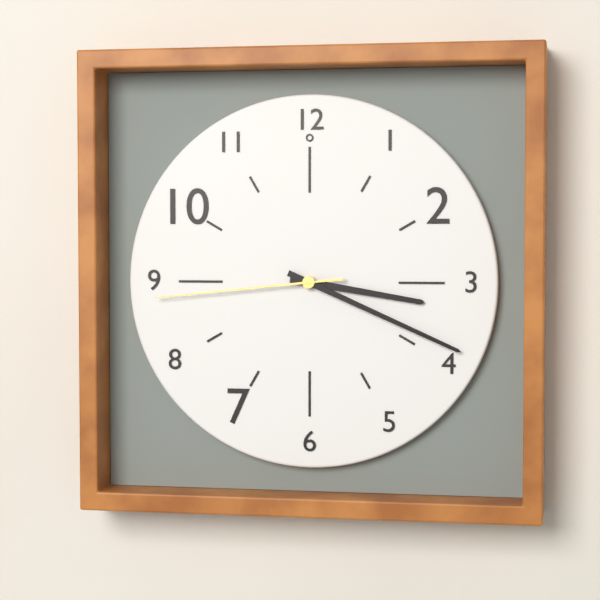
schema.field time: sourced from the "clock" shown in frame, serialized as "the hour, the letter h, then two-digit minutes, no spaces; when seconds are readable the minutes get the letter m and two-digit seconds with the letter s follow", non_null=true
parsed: 3h19m44s
